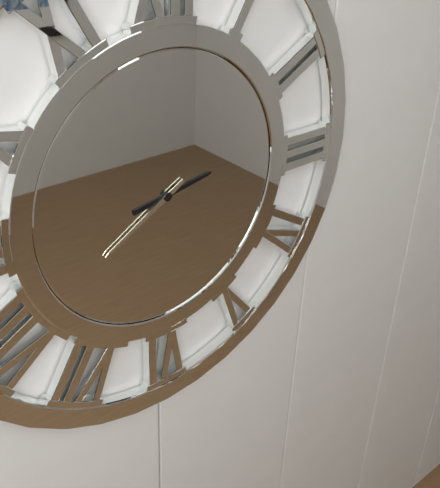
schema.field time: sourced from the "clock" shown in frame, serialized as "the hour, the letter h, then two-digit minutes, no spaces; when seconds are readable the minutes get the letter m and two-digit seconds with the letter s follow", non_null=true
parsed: 2h40
